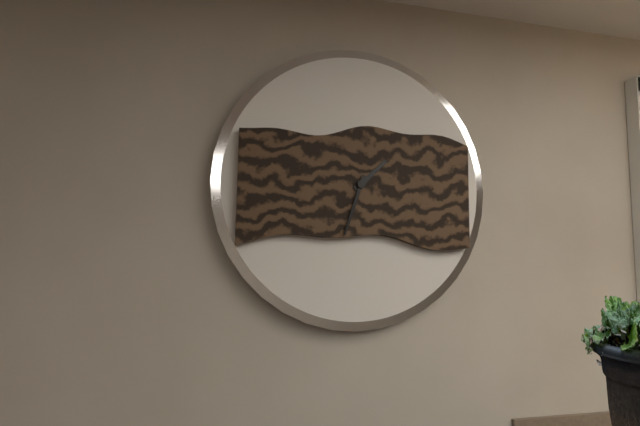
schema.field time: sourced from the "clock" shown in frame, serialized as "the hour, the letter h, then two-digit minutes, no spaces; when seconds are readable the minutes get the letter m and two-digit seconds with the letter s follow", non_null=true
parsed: 1h33
